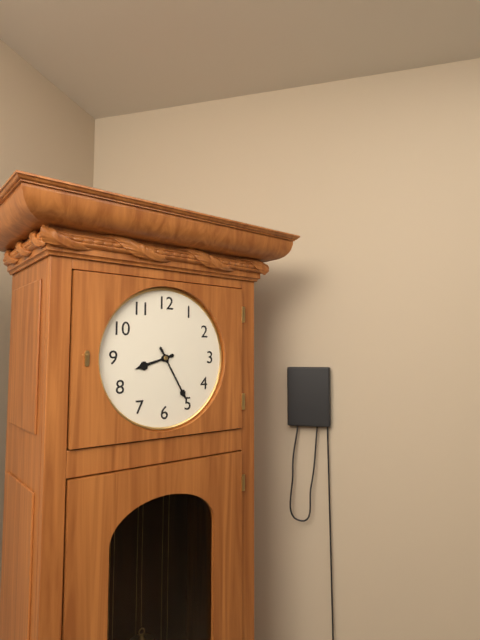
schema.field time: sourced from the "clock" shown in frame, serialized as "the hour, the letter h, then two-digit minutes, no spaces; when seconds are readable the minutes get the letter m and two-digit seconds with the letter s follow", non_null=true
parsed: 8h25
